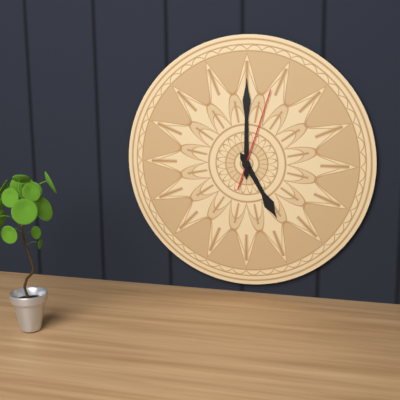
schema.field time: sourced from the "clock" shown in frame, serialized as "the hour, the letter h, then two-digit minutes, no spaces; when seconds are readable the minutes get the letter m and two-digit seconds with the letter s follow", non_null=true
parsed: 5h00m03s
